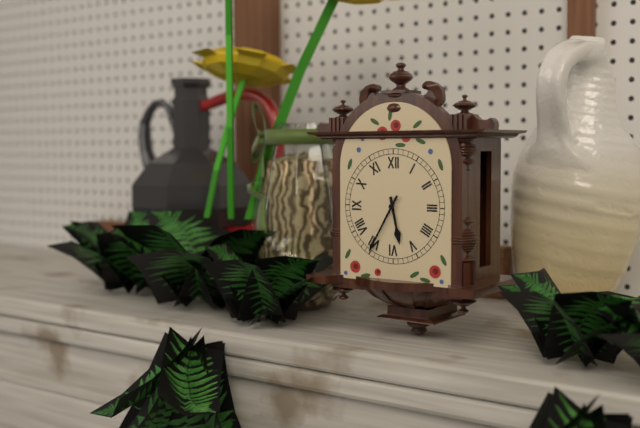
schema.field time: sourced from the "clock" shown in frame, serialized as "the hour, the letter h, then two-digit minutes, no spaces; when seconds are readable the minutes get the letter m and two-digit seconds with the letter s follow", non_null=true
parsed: 5h35
